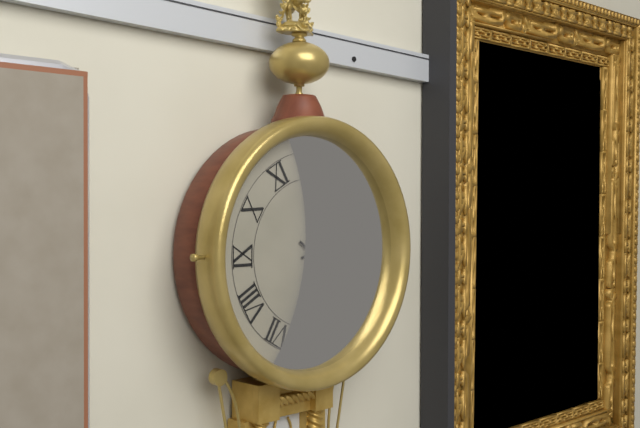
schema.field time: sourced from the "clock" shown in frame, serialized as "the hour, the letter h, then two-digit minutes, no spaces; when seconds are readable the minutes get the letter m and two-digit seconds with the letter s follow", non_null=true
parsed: 2h21
